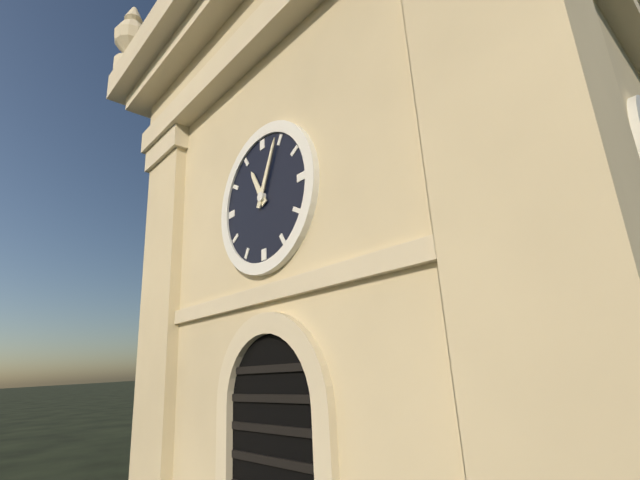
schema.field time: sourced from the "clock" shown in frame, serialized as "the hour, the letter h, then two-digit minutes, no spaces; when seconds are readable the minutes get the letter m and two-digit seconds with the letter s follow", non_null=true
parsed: 11h04
